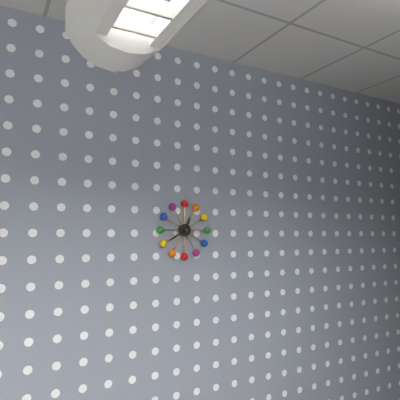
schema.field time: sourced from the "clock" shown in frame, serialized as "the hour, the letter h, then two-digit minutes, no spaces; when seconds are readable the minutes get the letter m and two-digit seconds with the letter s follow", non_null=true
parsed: 12h40
